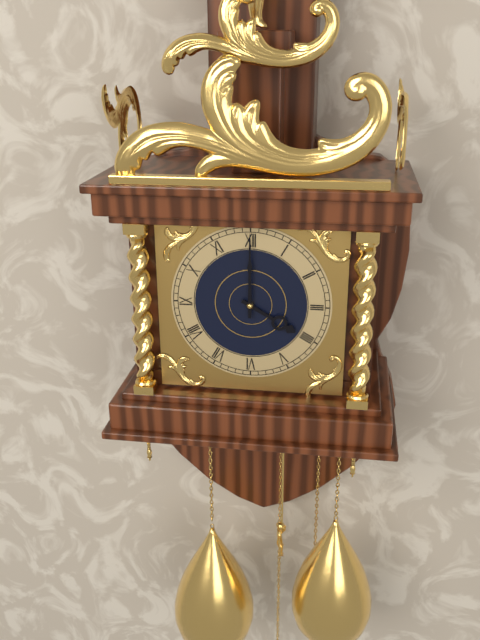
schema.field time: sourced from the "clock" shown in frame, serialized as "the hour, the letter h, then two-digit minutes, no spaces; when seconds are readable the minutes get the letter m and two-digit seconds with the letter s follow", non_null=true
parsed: 4h00
